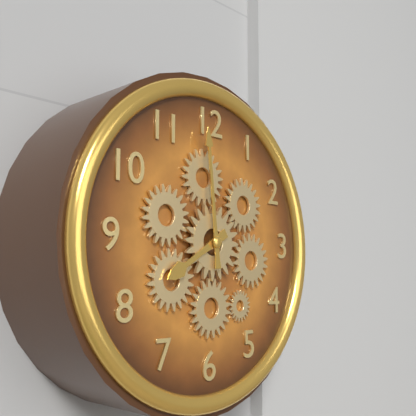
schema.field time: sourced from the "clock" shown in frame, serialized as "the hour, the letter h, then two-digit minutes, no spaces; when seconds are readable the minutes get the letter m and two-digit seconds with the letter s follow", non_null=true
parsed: 7h59
